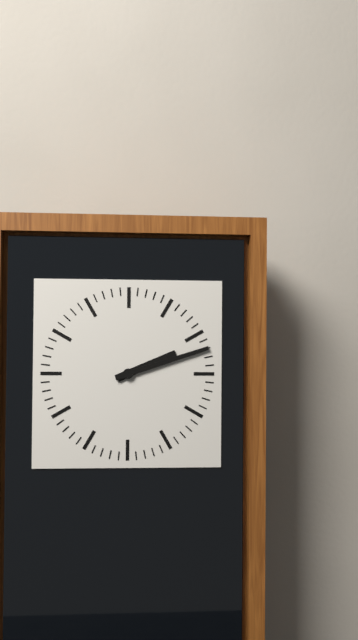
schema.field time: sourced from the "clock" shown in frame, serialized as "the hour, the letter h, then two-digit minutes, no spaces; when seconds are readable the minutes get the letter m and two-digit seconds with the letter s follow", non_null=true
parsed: 2h12
